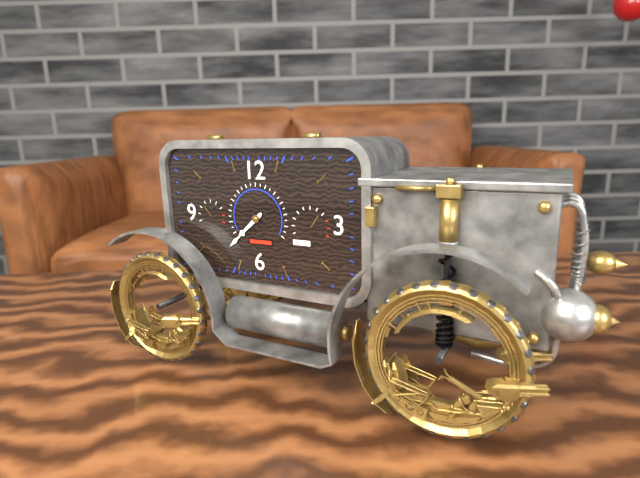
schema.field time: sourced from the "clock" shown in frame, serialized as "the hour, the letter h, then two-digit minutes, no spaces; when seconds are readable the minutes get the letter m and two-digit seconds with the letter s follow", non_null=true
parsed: 7h38
